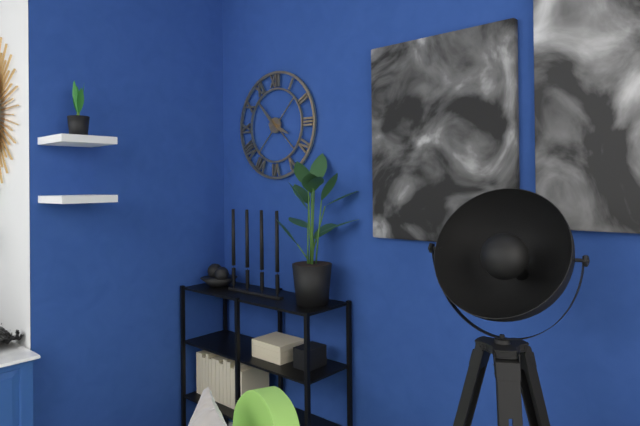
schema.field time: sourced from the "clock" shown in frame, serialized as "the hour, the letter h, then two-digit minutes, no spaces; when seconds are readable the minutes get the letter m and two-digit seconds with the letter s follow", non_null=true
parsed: 3h53
